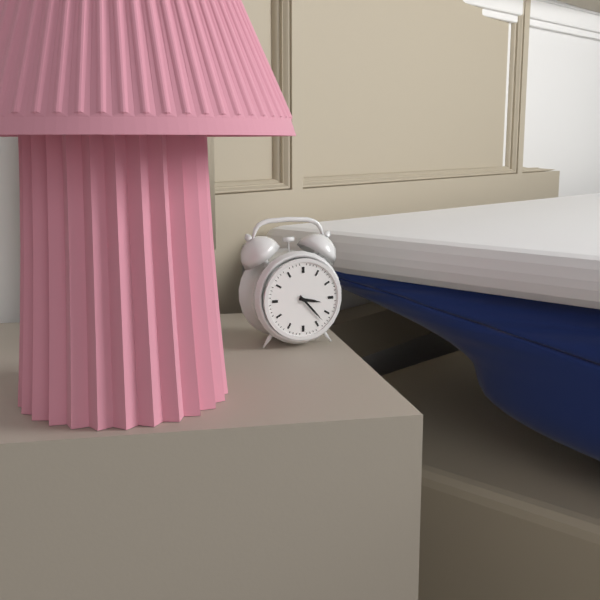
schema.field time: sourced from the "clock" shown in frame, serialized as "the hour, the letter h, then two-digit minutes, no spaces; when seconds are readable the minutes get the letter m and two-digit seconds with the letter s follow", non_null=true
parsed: 3h23
